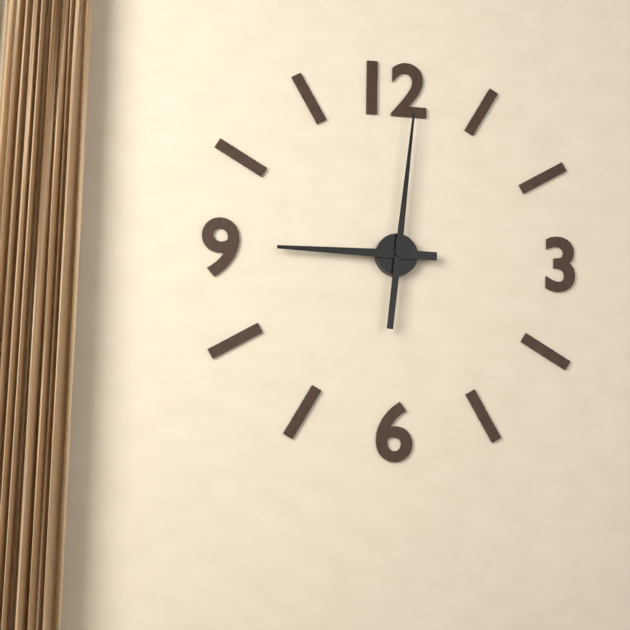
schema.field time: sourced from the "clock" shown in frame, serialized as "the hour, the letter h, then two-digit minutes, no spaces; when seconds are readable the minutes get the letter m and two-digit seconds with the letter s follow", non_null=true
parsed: 9h01
